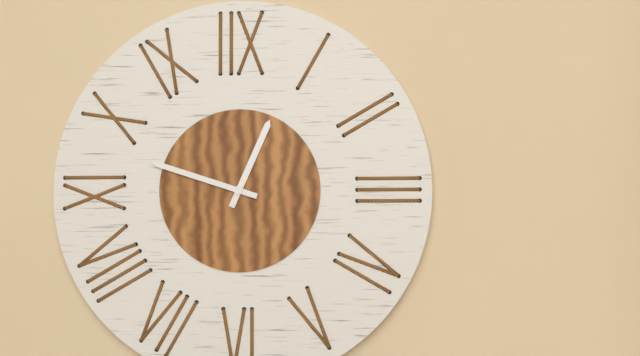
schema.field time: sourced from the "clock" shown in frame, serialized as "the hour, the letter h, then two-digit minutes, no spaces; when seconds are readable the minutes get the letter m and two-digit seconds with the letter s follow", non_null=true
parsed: 12h48
